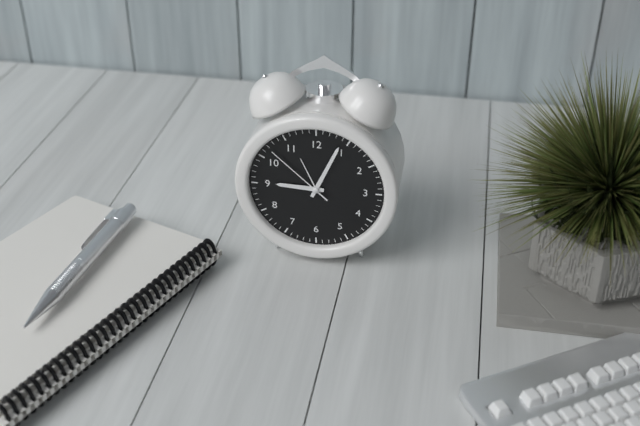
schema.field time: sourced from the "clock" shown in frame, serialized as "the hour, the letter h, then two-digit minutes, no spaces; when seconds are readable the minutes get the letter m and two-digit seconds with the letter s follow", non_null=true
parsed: 9h04m52s
